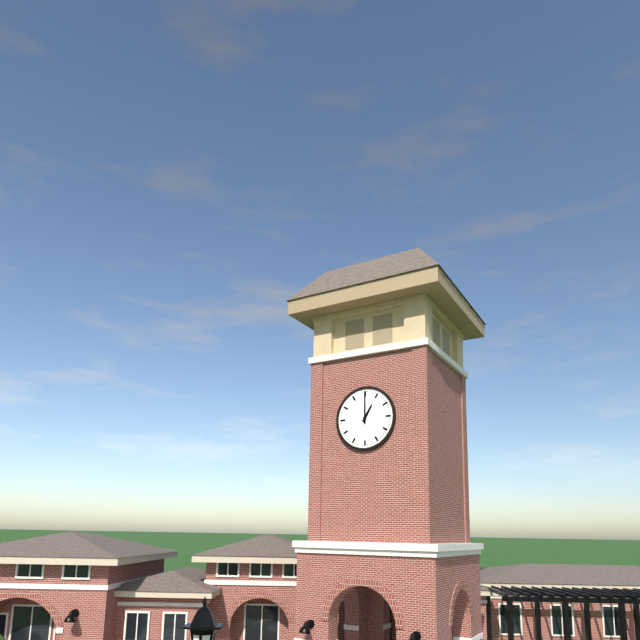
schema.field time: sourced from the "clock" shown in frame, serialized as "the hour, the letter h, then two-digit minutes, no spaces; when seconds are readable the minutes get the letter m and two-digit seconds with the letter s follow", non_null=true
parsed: 1h00
